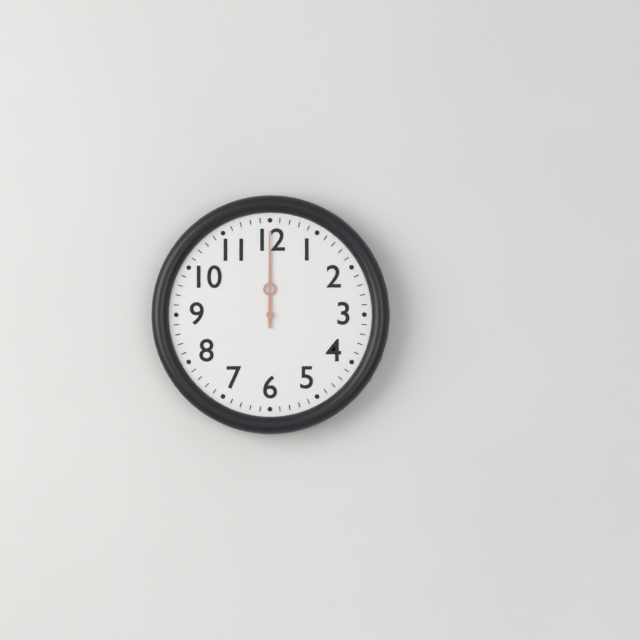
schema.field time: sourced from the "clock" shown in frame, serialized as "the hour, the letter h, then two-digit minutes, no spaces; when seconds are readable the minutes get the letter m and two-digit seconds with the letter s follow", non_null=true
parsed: 12h00
